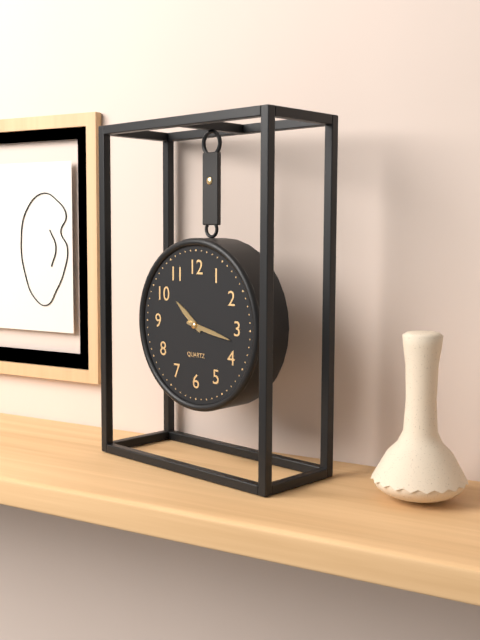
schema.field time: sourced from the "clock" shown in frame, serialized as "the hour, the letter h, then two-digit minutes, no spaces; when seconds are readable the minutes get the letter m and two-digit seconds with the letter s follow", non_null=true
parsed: 10h17
